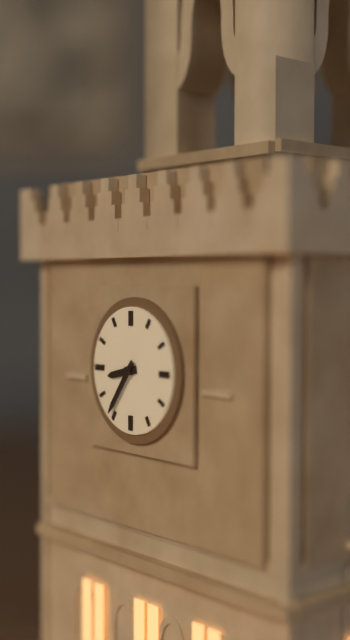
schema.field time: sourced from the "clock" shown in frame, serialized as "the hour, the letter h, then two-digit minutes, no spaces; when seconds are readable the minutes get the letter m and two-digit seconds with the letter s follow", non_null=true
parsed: 8h36
